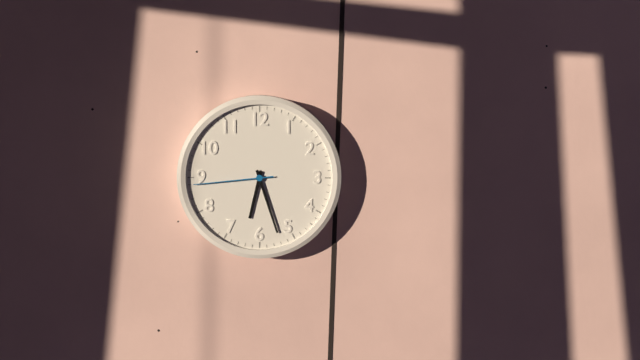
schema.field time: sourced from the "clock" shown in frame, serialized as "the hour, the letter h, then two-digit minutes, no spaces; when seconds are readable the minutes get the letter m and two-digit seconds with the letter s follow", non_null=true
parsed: 6h27m44s
